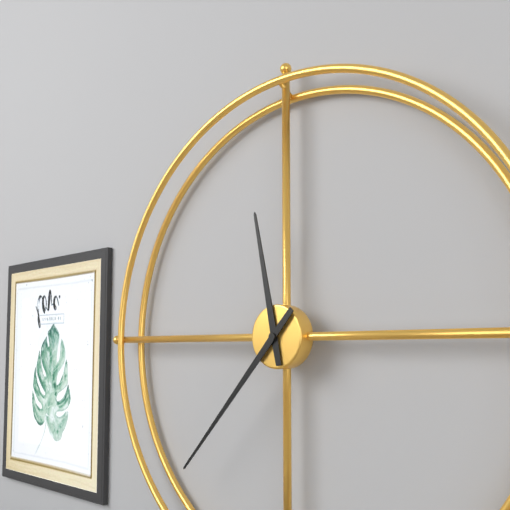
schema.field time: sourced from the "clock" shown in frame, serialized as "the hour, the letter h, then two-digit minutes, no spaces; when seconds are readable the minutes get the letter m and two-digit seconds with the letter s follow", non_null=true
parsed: 11h37
